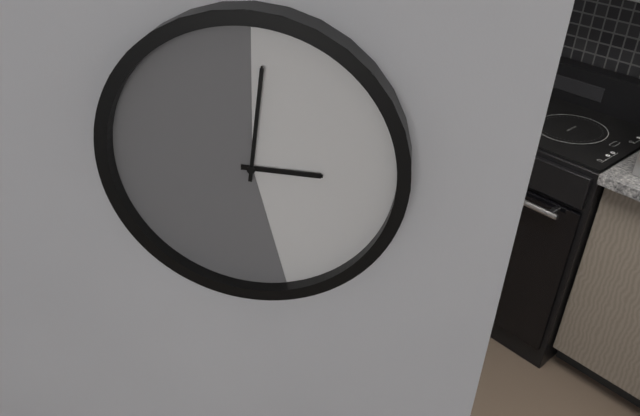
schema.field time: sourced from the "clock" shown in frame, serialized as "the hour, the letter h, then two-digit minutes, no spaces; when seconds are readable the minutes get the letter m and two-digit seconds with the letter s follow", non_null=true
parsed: 3h01
